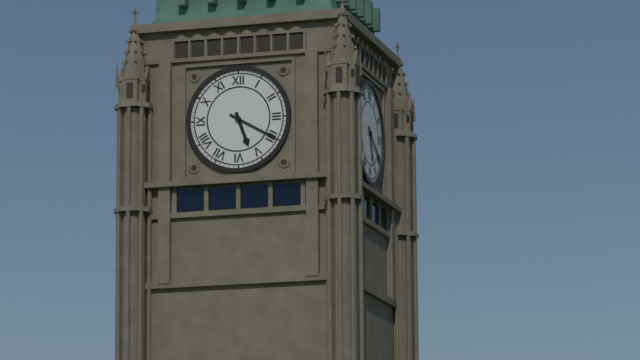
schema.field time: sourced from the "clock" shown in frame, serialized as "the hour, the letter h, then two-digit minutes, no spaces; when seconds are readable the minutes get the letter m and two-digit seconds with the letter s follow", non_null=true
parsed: 5h20
